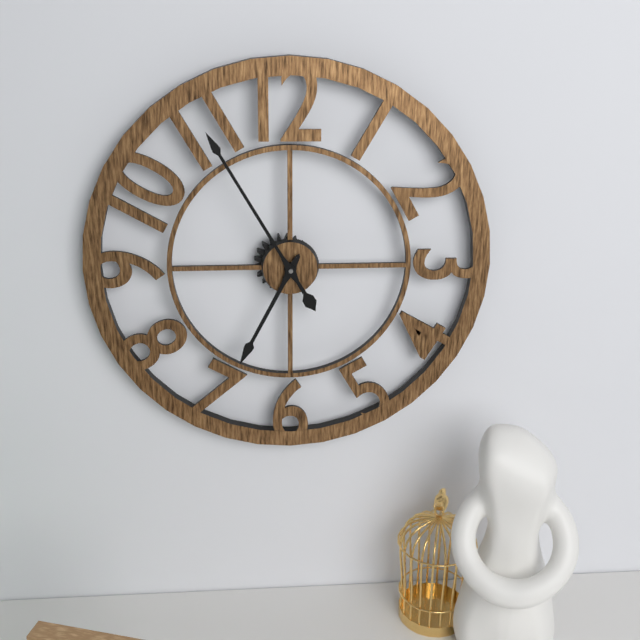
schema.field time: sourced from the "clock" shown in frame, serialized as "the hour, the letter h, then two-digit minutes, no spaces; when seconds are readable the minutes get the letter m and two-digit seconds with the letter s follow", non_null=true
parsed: 6h55
